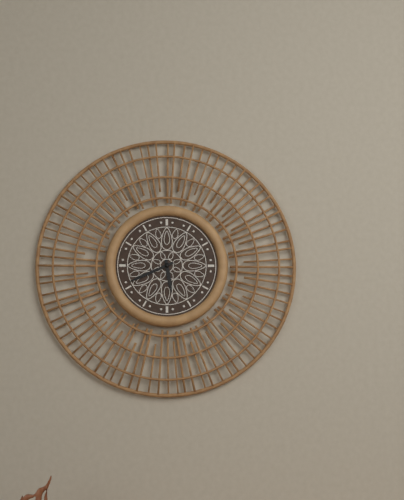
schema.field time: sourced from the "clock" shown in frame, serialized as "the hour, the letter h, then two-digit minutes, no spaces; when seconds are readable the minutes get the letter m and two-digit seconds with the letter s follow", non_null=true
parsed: 5h41
